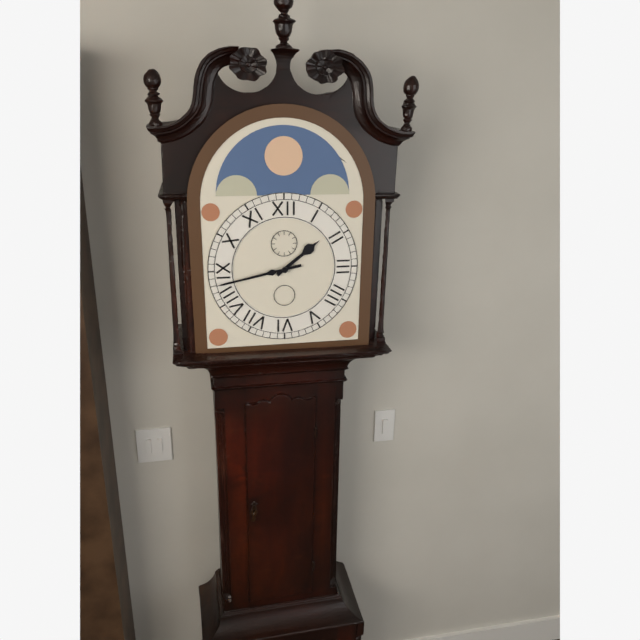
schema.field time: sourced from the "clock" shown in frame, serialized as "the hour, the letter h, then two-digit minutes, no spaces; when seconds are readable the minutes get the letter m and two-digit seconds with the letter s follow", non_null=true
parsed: 1h43
